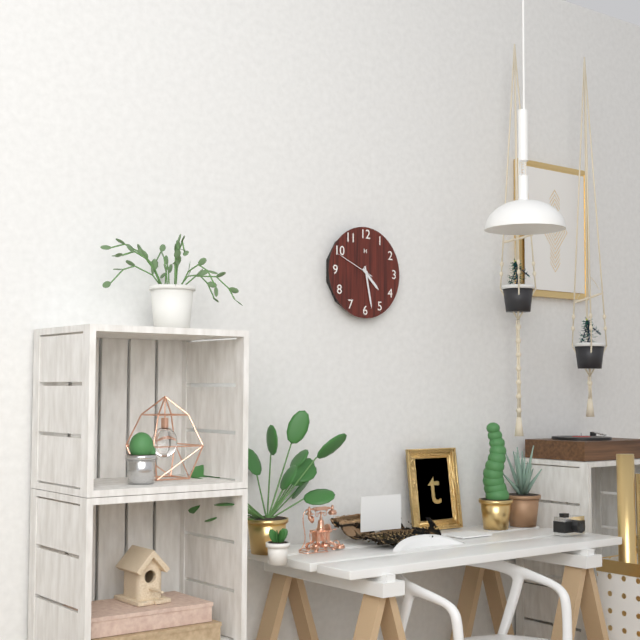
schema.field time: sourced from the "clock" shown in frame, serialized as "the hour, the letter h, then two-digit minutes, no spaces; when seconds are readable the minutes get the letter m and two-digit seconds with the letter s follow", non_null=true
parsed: 4h28
